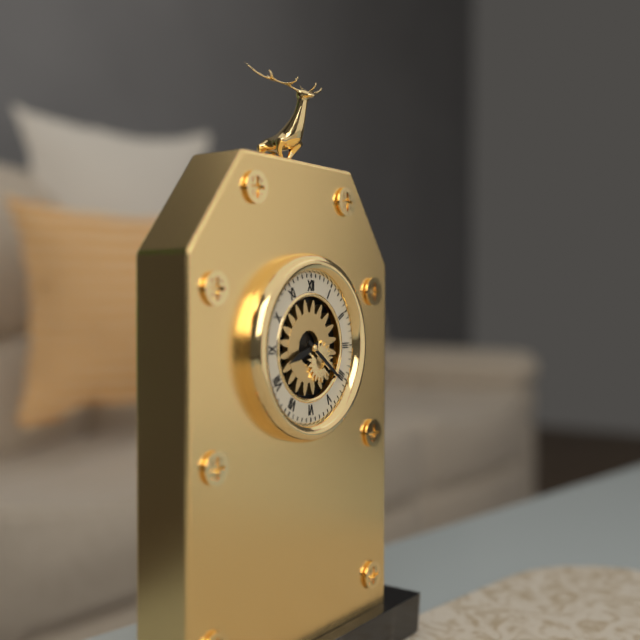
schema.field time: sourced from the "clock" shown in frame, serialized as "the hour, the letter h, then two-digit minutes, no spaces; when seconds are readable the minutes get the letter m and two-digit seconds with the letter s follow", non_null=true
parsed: 8h21
